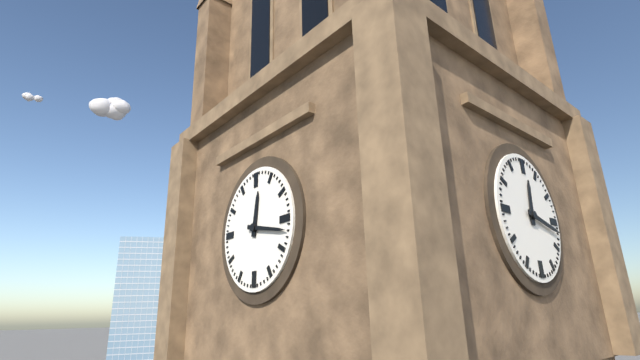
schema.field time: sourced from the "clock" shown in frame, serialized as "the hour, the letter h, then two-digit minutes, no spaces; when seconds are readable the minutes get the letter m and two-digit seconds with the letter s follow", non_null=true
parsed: 12h17
